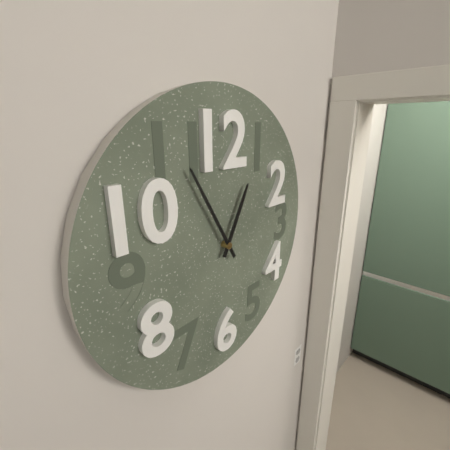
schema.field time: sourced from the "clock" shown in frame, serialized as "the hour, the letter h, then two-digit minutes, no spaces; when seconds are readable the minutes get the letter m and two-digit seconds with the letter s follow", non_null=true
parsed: 12h55
